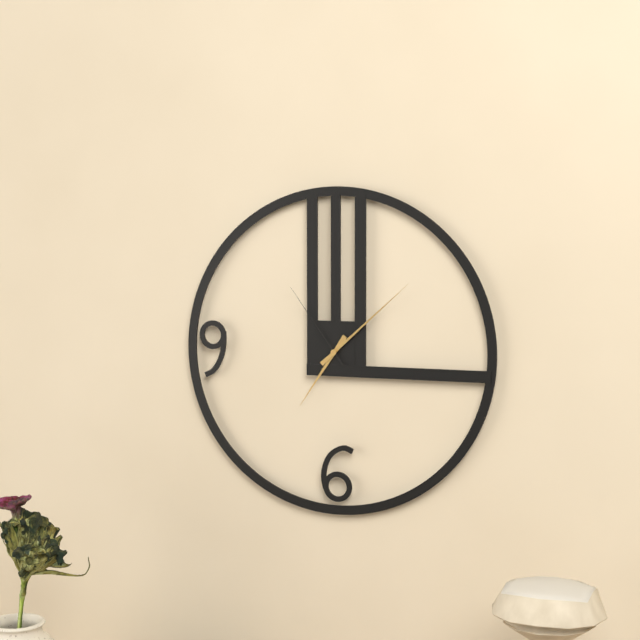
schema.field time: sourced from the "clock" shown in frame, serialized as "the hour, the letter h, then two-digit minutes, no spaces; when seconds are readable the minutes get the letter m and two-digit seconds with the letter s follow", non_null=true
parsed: 7h08m54s
